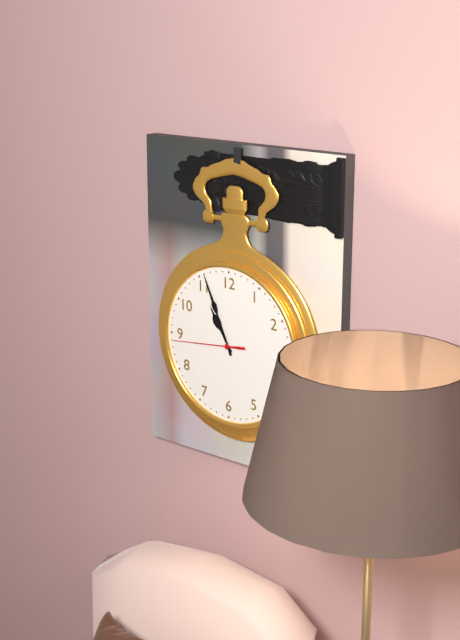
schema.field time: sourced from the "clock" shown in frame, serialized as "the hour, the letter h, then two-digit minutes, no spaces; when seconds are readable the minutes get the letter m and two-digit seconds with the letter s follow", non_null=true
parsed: 10h56m44s
